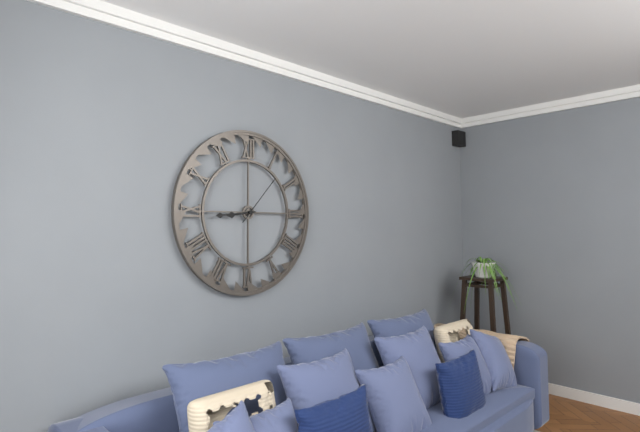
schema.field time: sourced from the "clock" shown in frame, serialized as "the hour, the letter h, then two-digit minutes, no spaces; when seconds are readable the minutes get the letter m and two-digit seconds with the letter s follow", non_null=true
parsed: 8h44m07s
